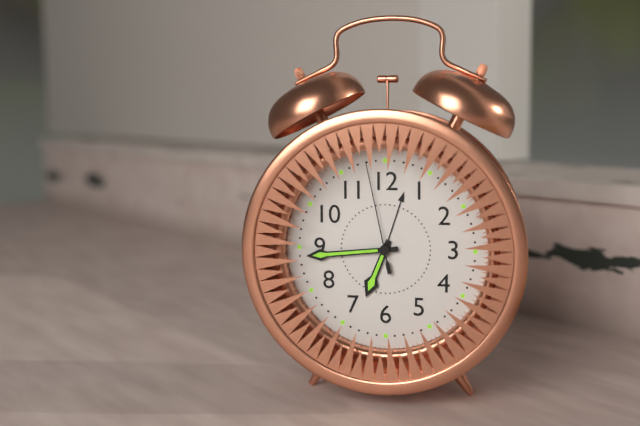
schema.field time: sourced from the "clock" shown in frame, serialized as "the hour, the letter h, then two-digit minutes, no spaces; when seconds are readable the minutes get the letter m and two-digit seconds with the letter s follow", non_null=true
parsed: 6h44m58s
